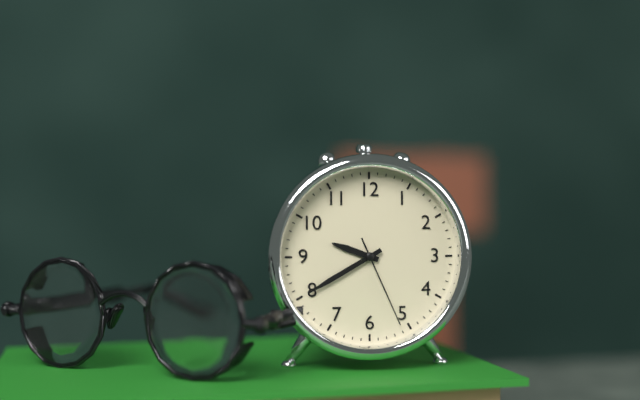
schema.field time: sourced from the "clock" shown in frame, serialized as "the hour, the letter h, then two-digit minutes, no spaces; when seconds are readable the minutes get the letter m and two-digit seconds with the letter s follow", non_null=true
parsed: 9h40m26s
